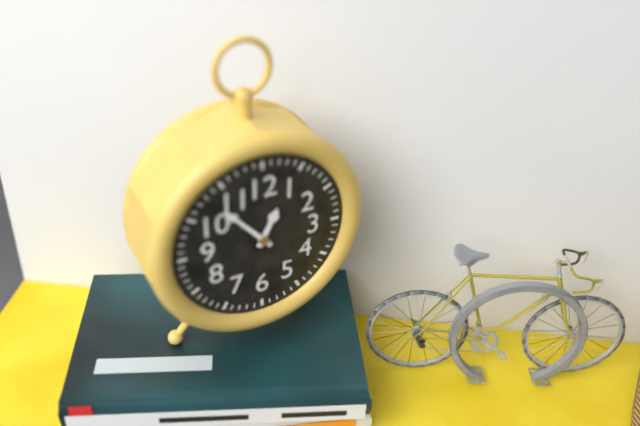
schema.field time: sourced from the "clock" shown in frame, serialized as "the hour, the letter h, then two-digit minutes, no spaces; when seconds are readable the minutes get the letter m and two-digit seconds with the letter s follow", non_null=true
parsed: 12h53
